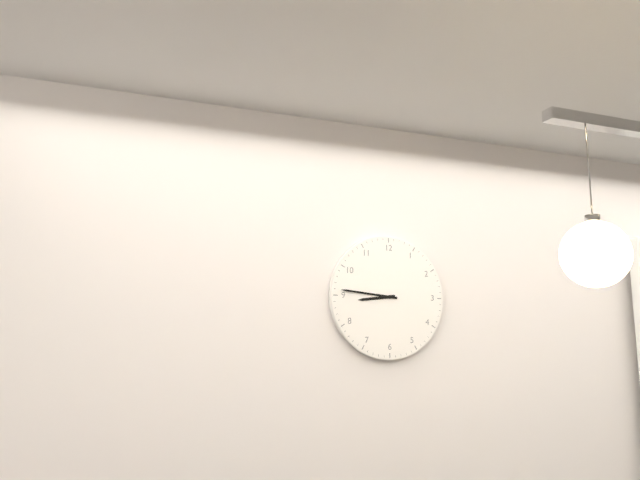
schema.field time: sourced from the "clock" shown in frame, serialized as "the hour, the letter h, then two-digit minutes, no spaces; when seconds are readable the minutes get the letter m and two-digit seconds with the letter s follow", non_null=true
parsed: 8h46
